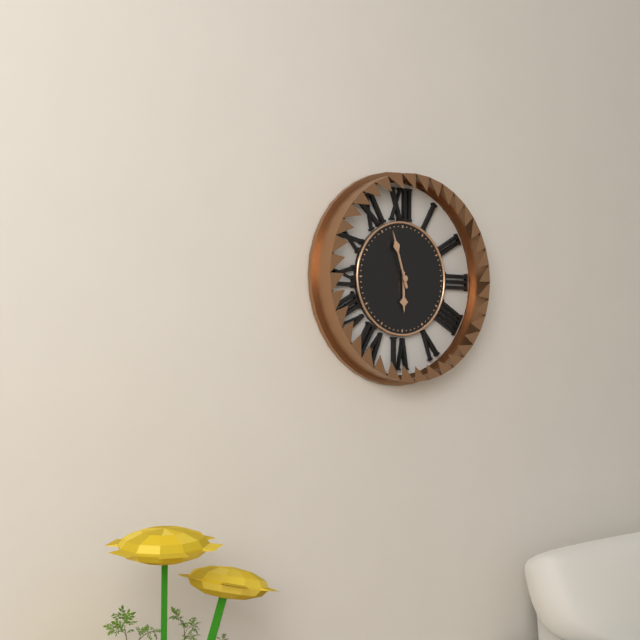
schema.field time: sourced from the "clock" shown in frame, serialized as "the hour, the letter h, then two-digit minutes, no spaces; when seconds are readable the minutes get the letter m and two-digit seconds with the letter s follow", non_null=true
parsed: 5h57
